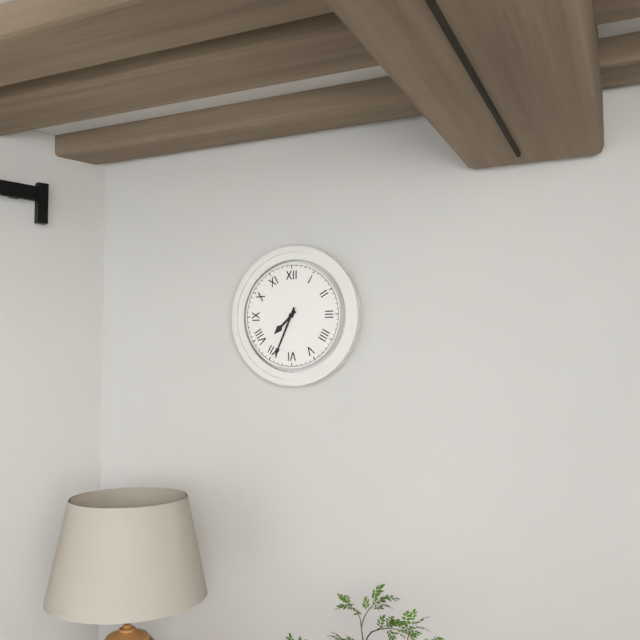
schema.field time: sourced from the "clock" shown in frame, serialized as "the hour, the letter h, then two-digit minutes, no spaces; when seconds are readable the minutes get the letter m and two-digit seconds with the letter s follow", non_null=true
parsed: 7h34
